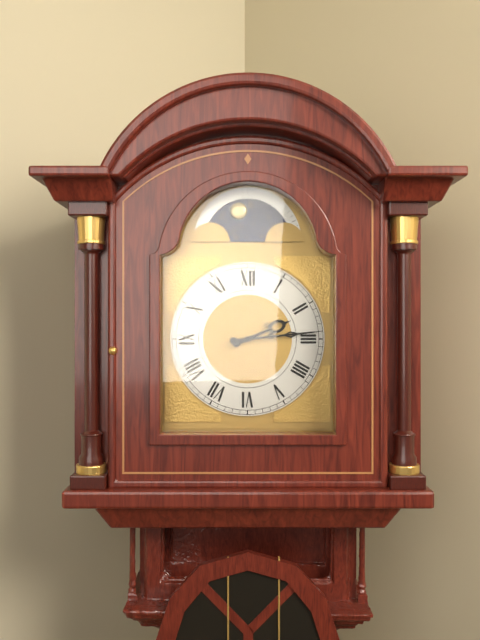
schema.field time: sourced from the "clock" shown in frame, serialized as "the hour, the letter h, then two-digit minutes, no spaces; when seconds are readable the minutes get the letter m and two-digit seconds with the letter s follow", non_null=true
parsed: 2h14
